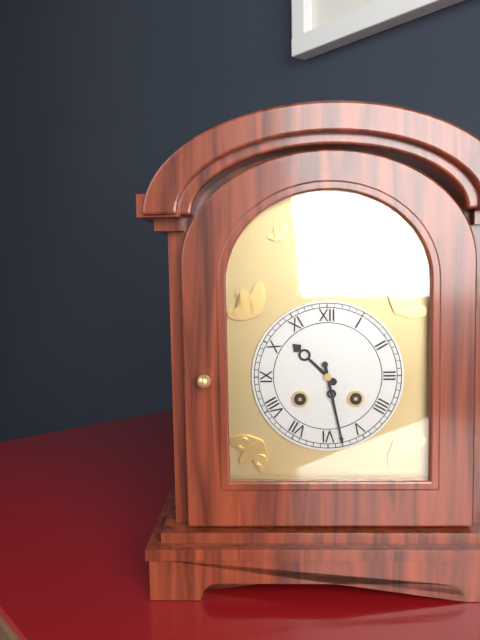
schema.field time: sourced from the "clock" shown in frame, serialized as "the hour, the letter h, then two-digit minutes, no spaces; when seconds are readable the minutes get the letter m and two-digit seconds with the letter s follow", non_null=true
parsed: 10h28
